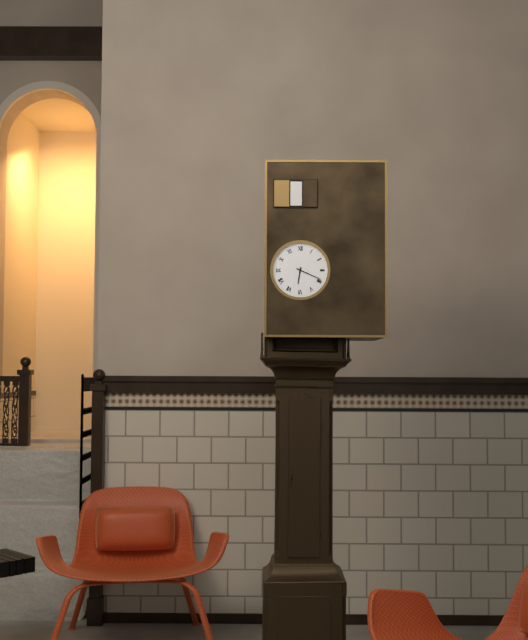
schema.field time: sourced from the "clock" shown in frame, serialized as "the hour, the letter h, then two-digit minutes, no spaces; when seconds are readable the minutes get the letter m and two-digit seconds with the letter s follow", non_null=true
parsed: 6h19
